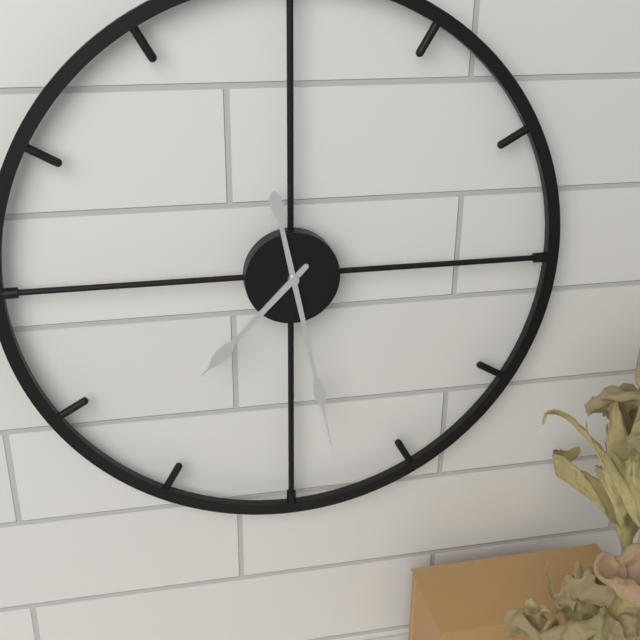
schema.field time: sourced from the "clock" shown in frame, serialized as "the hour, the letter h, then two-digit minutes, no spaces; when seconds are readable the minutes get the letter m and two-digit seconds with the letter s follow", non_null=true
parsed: 7h28
